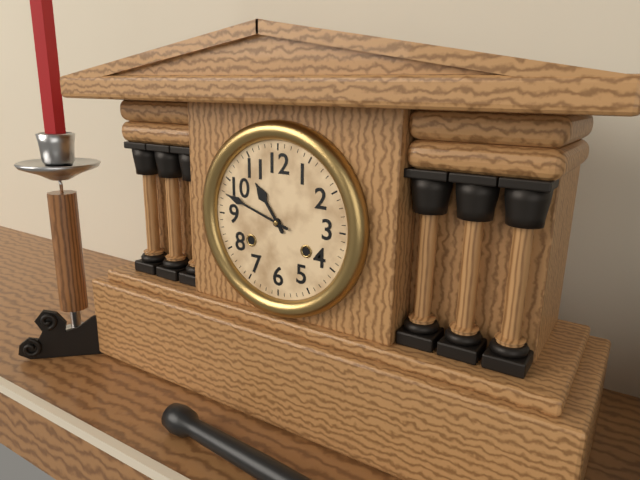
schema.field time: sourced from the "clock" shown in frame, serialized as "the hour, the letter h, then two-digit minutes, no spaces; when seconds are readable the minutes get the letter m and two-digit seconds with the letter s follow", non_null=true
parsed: 10h48
